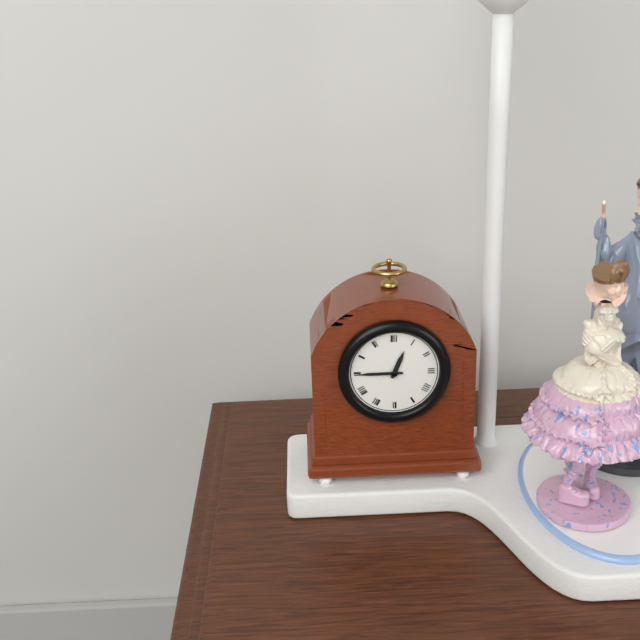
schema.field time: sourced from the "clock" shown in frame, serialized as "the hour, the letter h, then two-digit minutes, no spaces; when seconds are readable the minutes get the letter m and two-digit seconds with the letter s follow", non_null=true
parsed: 12h45
